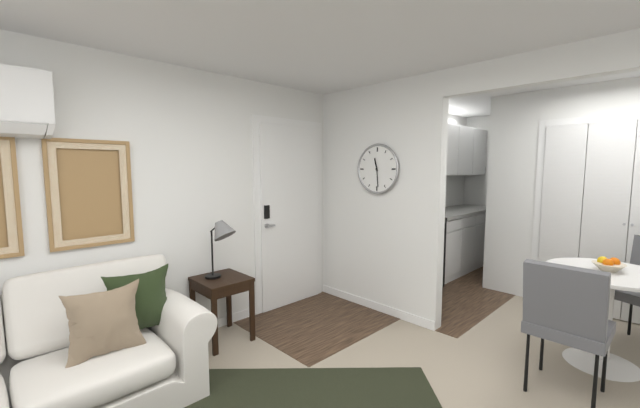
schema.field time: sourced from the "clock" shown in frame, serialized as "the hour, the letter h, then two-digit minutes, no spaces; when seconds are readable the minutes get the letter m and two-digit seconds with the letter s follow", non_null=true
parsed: 11h29
